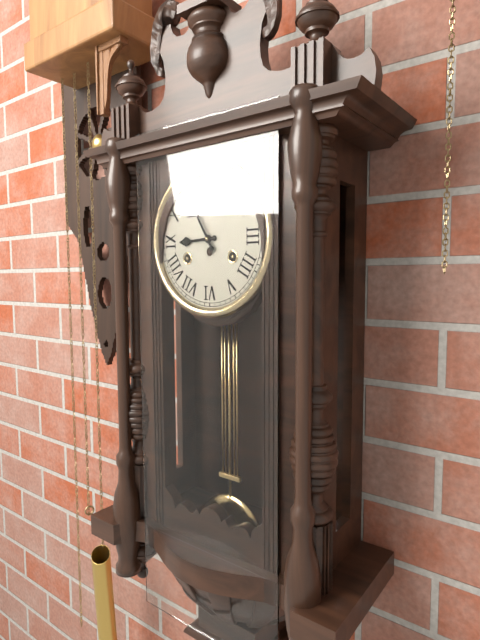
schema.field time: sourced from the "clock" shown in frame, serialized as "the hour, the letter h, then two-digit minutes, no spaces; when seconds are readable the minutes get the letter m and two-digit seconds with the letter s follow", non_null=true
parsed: 8h55
